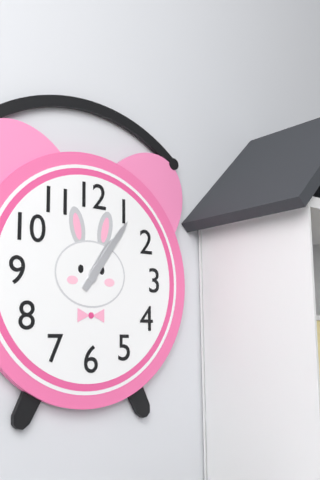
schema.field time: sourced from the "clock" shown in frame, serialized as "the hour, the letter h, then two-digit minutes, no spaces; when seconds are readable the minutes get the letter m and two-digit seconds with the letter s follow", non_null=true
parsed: 1h06
